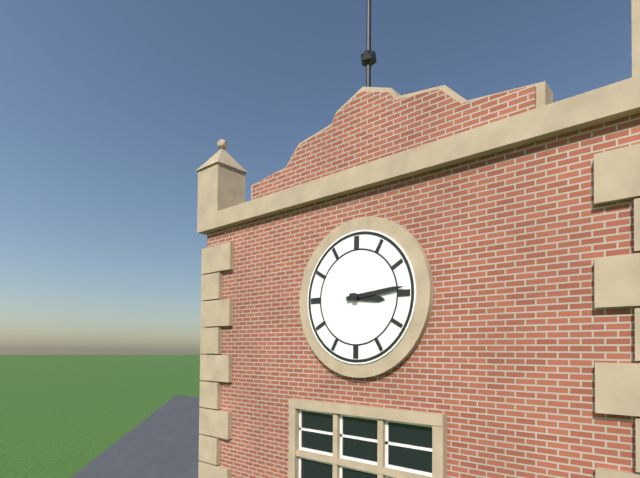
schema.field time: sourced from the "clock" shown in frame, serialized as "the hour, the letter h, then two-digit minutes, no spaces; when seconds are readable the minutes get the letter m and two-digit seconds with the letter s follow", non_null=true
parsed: 3h14
